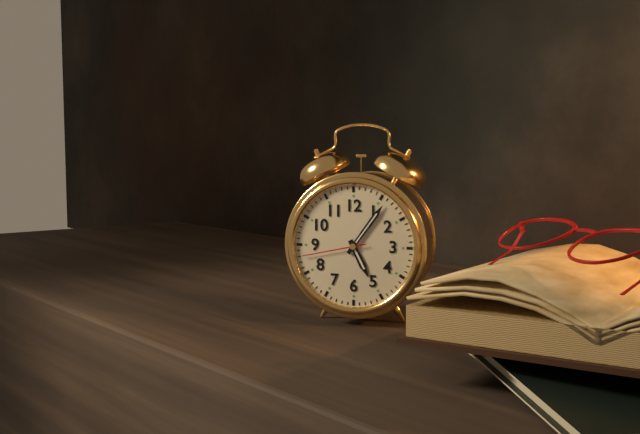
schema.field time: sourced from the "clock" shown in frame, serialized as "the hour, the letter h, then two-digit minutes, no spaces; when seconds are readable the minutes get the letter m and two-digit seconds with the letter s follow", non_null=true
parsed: 5h06m43s
